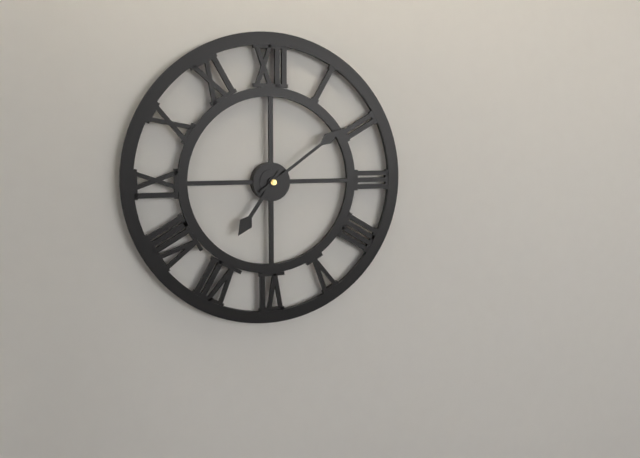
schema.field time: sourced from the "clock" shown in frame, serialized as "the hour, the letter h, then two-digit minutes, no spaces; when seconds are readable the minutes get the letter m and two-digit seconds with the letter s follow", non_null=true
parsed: 7h09
